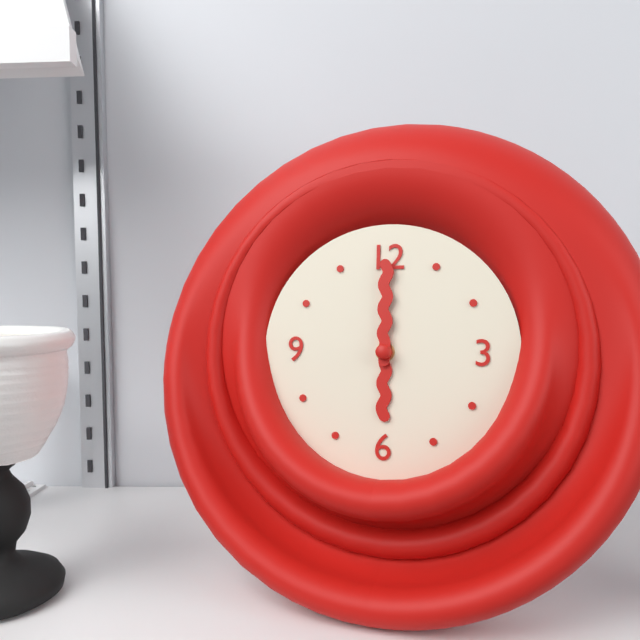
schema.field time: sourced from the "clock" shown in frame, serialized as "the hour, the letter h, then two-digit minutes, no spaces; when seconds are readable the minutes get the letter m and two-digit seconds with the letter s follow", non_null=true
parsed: 6h00
